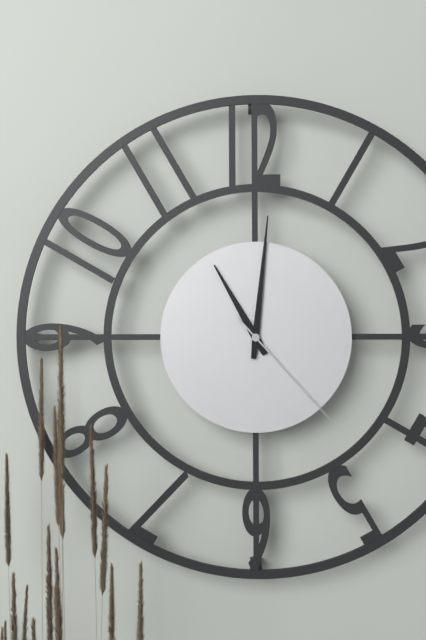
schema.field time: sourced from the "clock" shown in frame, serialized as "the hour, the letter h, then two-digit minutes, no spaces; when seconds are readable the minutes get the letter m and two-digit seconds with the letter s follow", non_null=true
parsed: 11h01m23s
